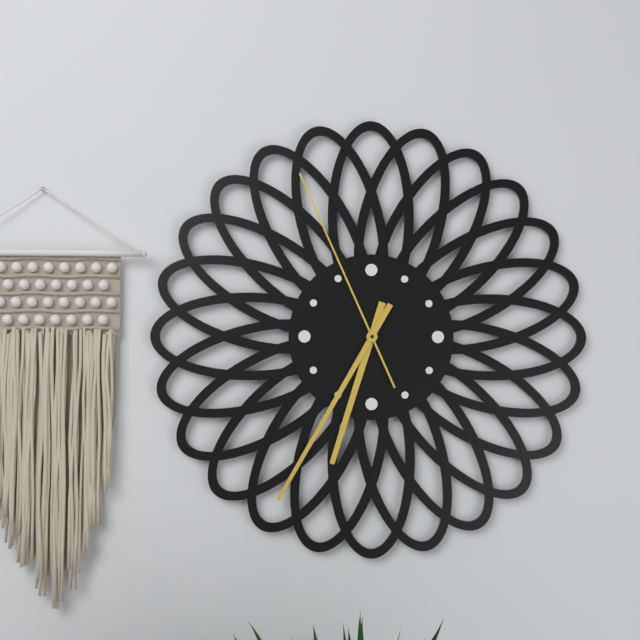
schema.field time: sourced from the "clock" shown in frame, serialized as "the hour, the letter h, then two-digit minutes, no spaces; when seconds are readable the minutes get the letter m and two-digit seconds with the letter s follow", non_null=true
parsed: 6h35m56s
